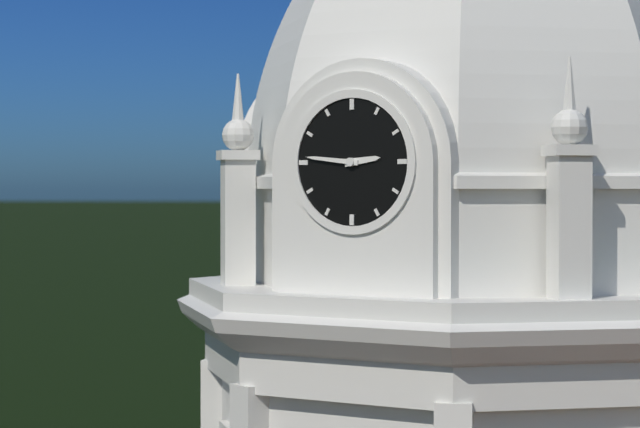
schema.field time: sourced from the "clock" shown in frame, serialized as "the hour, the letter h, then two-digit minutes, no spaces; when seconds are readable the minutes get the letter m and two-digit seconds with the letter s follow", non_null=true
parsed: 2h46
